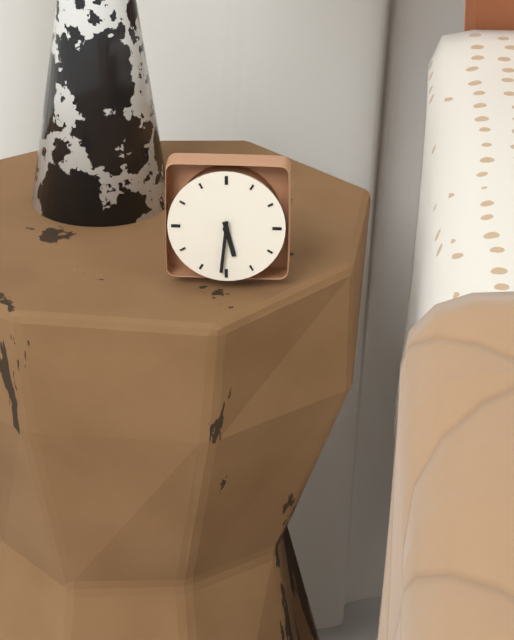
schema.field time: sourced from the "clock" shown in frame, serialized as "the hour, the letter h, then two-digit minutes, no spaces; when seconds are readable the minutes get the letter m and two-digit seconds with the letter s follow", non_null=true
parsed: 5h31
